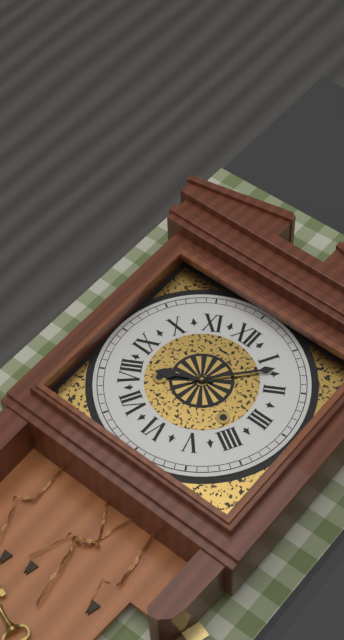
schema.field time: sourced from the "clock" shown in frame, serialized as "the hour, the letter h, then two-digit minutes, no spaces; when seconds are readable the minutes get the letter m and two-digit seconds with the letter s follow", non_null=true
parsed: 8h07
